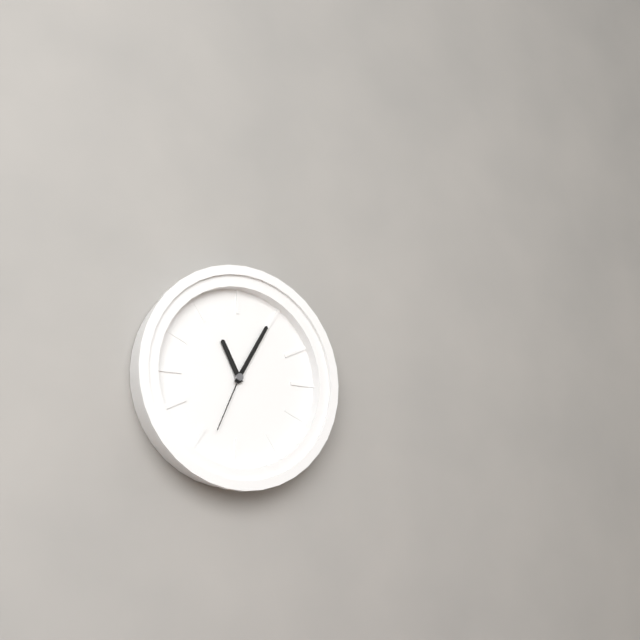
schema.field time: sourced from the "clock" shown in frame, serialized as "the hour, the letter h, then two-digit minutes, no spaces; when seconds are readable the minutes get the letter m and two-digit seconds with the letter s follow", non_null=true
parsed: 11h05m34s
